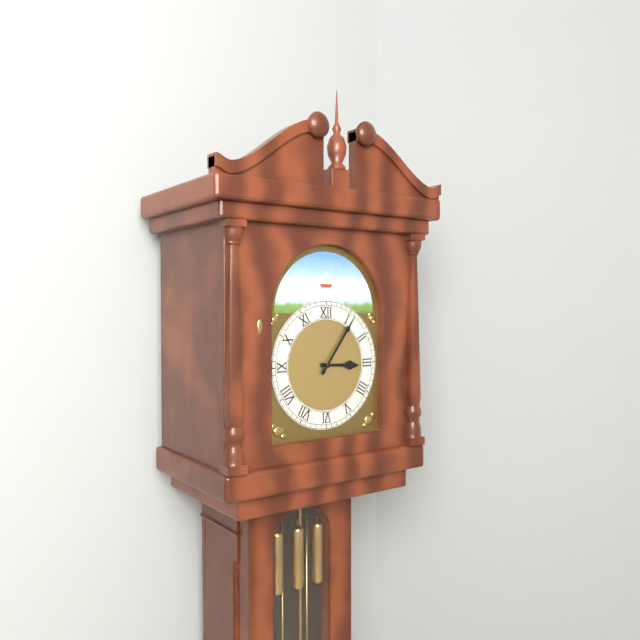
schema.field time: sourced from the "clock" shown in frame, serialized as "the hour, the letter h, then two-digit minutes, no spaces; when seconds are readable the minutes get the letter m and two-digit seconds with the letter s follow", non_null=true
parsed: 3h06
